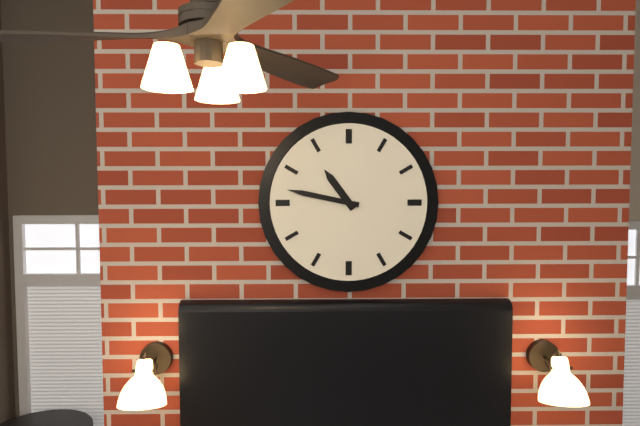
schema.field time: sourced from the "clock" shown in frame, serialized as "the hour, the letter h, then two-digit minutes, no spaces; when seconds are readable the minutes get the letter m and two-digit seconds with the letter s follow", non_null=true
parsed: 10h47
